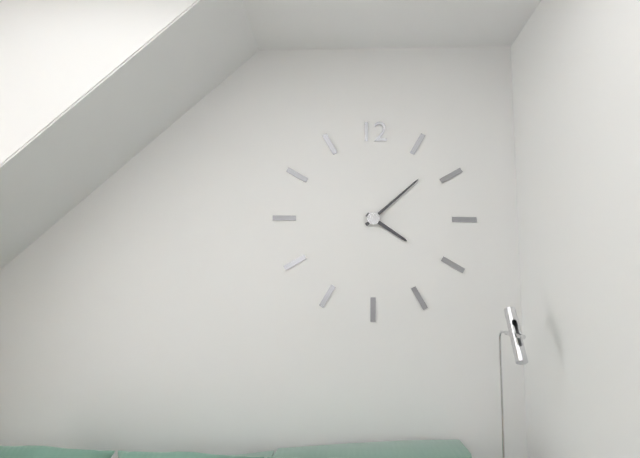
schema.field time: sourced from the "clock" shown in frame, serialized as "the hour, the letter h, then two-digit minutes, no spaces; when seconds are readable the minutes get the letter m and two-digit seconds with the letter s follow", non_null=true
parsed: 4h08
